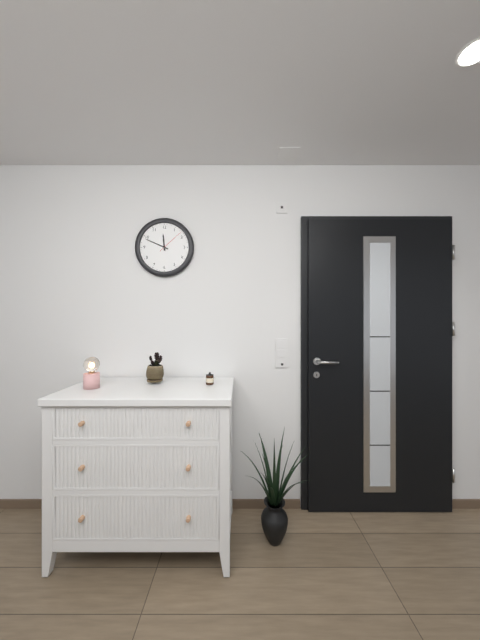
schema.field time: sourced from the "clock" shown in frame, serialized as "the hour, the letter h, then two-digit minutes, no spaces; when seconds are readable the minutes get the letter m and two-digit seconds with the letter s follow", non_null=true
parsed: 11h49
